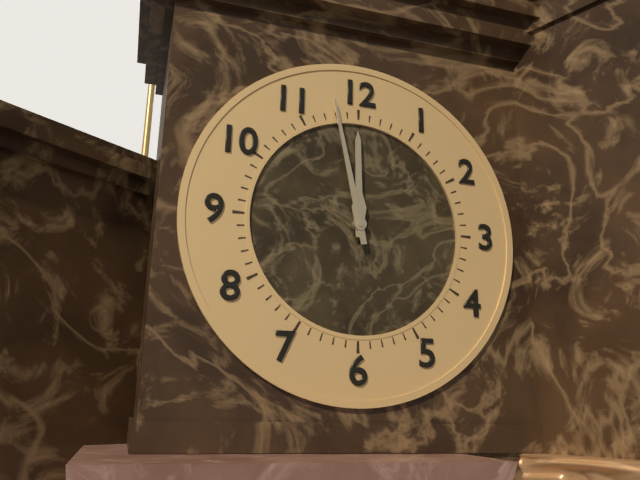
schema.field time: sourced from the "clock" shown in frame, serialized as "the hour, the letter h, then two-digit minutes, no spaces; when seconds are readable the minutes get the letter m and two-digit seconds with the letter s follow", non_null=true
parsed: 11h58
